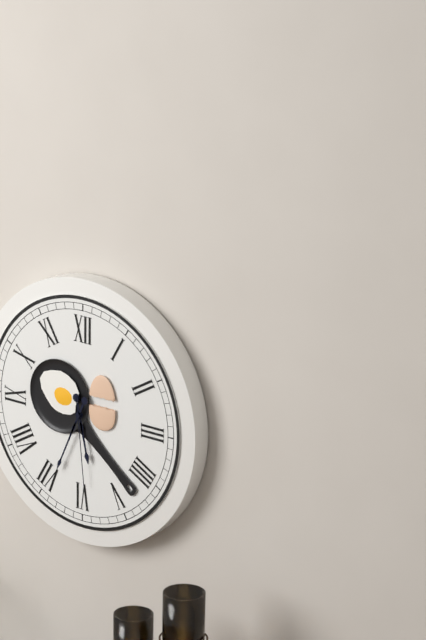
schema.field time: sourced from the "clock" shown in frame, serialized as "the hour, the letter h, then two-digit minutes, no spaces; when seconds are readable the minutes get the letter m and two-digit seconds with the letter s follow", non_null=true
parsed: 5h34m29s
